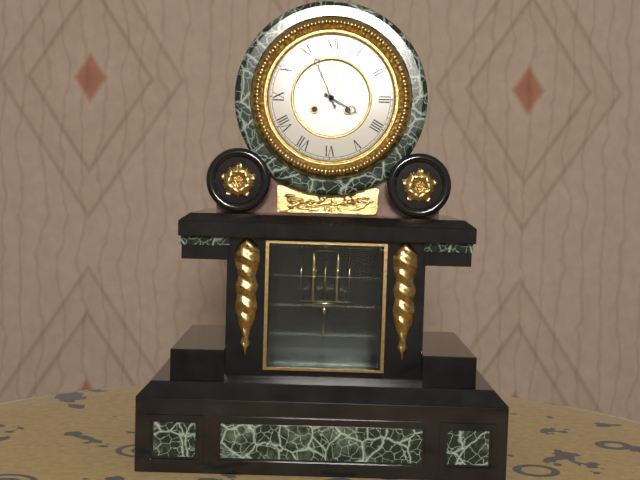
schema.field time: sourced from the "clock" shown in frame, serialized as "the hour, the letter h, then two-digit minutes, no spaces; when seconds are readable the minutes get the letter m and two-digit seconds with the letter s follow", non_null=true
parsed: 3h56
